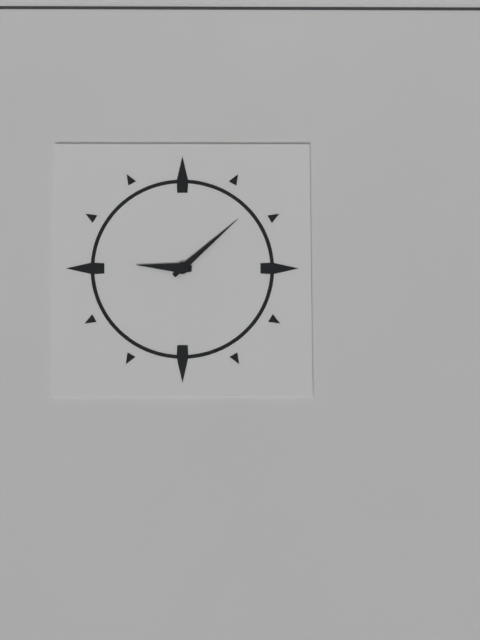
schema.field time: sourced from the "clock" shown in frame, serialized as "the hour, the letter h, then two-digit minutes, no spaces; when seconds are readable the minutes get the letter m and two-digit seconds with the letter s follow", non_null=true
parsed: 9h08
